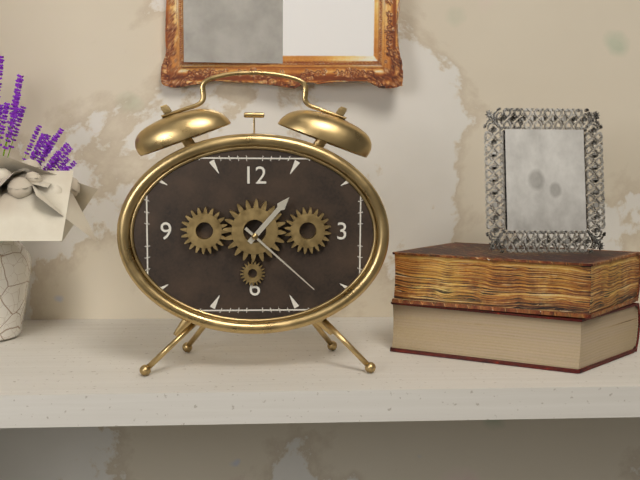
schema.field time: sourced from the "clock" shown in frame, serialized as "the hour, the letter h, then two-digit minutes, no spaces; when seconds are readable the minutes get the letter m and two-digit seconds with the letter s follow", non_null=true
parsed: 1h22
